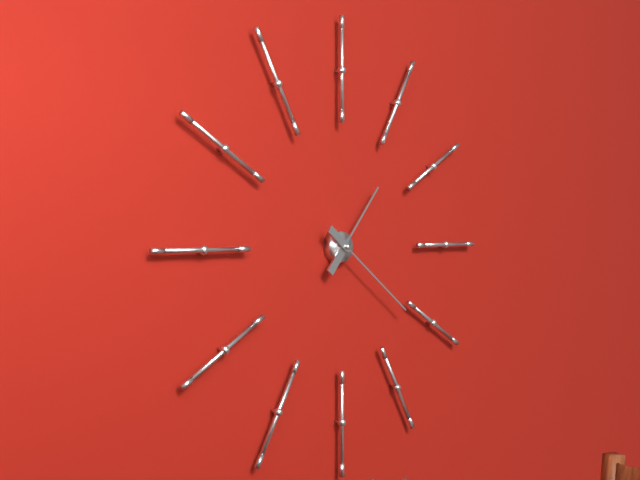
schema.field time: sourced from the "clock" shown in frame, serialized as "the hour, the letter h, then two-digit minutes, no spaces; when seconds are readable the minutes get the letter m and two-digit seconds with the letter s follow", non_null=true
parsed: 1h21
